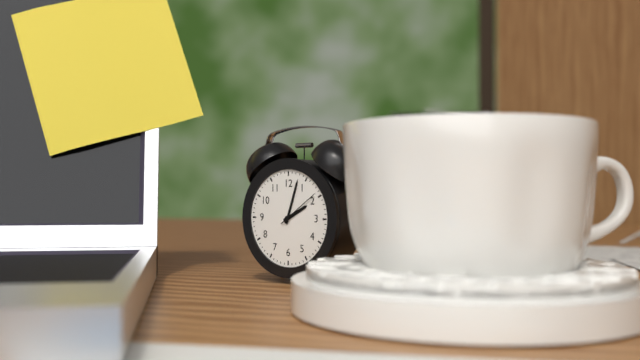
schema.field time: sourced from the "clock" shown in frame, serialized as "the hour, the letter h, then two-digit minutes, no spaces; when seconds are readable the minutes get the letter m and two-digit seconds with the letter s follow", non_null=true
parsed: 2h03
